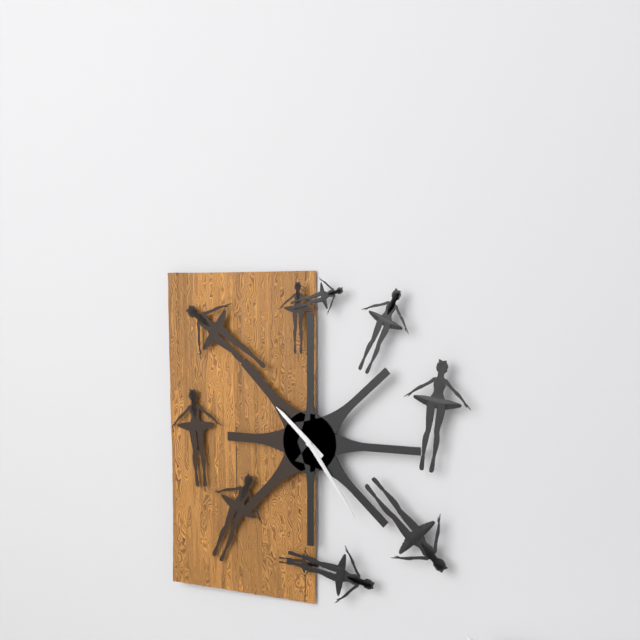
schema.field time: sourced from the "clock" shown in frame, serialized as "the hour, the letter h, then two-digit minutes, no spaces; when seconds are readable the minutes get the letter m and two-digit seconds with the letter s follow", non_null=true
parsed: 10h24
